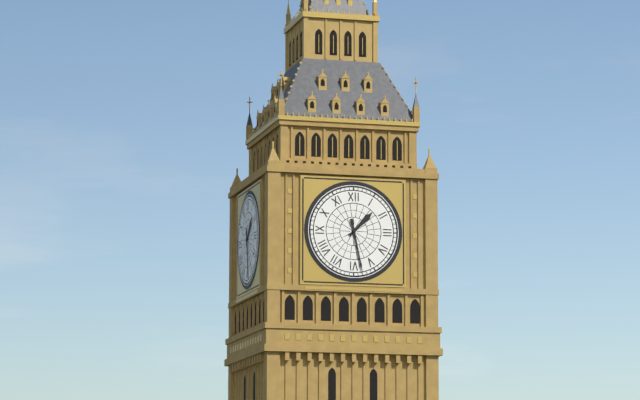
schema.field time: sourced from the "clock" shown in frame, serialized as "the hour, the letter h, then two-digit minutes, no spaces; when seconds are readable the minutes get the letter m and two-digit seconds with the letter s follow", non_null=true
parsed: 1h28
